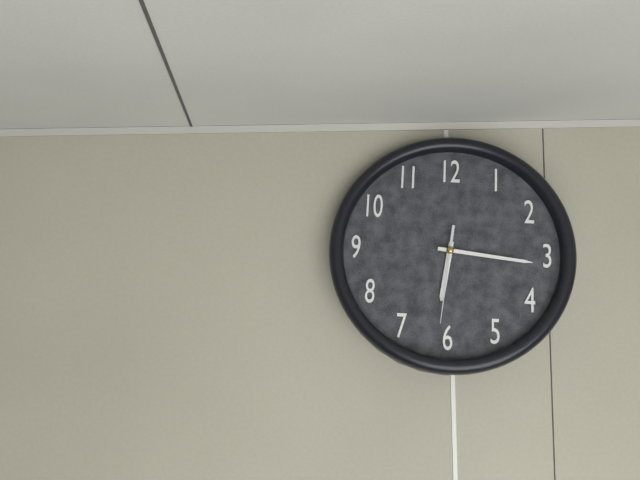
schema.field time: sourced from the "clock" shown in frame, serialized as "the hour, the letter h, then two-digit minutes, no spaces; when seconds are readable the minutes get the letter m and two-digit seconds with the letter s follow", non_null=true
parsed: 6h16m31s
